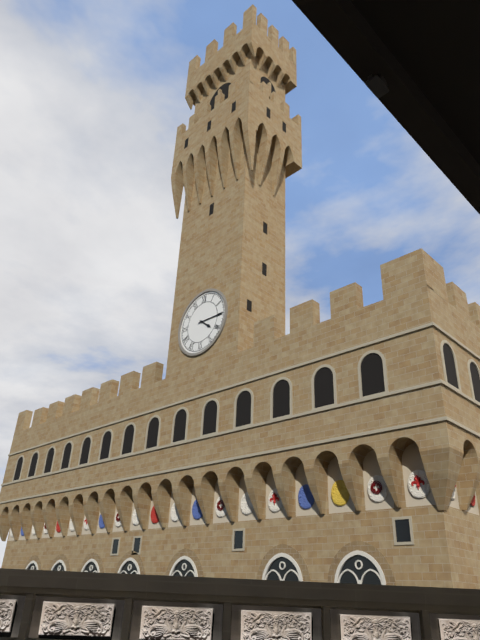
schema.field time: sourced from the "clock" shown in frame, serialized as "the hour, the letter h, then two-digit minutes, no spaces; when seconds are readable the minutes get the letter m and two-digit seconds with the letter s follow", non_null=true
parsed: 4h15
